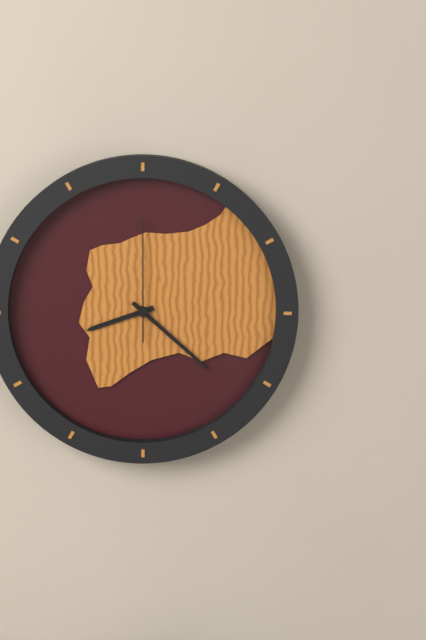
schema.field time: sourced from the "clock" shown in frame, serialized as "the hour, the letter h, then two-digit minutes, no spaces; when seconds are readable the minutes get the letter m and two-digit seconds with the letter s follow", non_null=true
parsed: 8h22m00s
